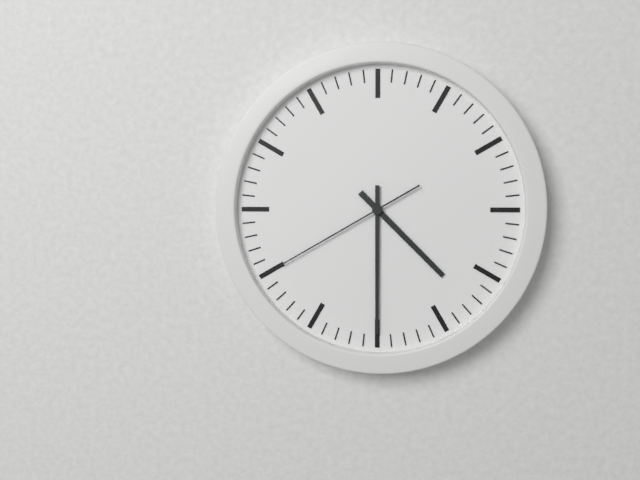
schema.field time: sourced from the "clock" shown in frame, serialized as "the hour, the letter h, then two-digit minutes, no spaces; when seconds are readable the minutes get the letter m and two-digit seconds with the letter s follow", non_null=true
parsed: 4h30m40s
